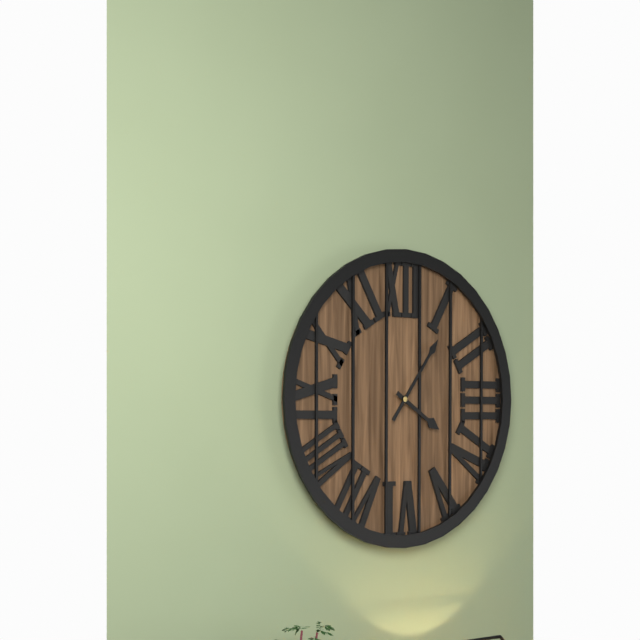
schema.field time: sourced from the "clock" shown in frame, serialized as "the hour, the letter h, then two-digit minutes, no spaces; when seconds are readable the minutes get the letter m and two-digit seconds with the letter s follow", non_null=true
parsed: 4h06
